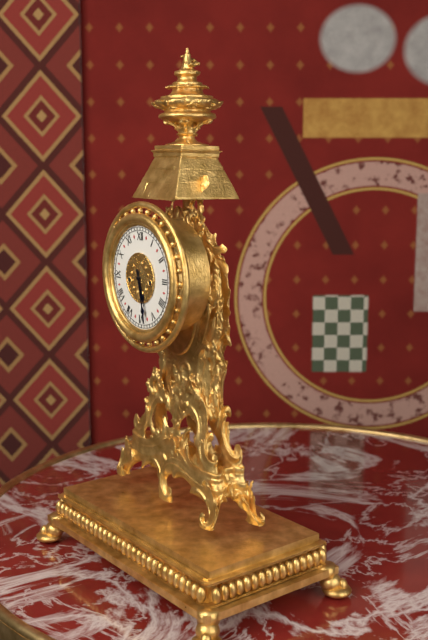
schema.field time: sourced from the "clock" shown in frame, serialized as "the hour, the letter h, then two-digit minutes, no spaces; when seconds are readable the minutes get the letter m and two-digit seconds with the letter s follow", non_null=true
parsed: 5h28
